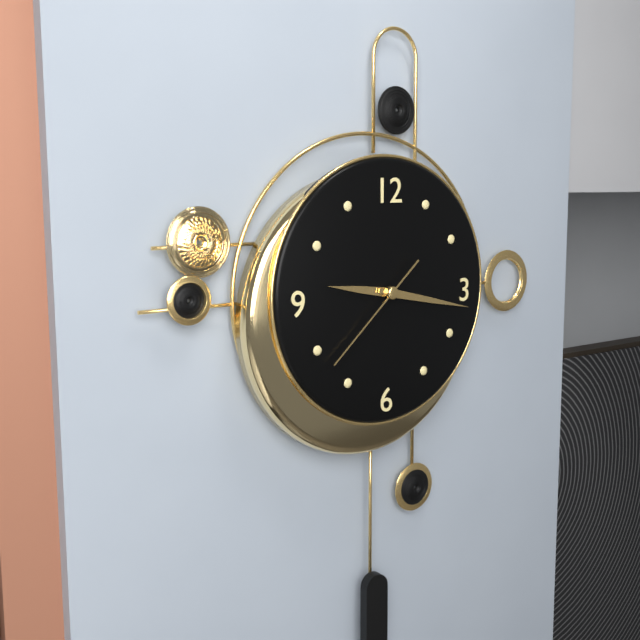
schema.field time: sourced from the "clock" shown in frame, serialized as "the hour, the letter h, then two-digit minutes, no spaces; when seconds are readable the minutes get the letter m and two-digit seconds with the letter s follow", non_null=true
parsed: 9h17m38s
